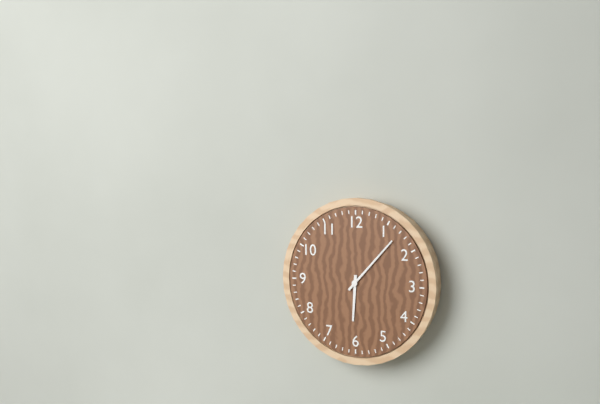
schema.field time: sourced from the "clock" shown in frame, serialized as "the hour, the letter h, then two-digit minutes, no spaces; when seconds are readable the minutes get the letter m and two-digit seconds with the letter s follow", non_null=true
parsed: 6h07
